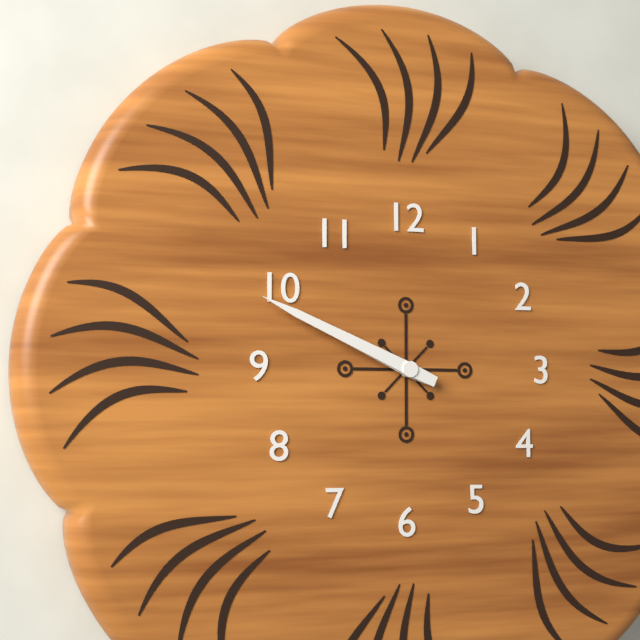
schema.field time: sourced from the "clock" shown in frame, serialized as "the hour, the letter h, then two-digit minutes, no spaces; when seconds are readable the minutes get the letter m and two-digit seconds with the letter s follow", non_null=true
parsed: 9h49
